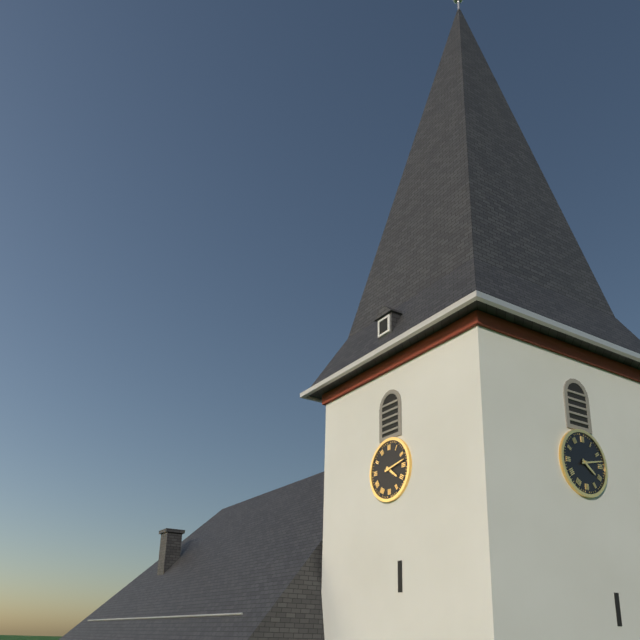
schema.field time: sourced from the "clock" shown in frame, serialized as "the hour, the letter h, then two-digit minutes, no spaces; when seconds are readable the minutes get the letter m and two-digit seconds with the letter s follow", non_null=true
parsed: 4h13
